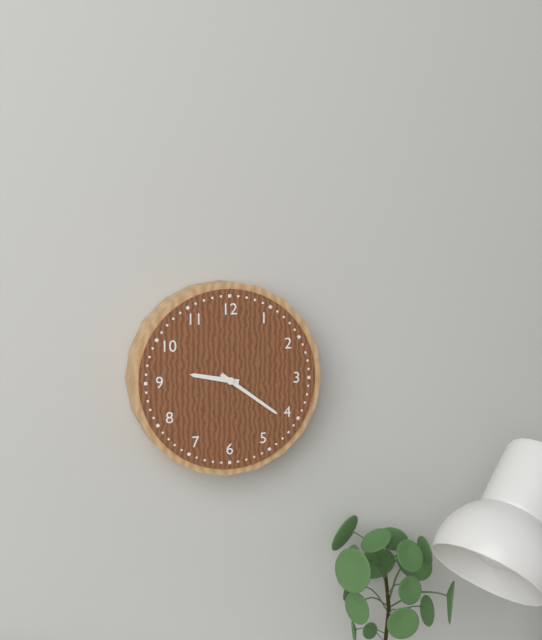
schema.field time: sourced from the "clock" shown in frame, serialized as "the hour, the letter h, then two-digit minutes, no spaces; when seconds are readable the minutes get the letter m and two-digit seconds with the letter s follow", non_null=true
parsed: 9h21
